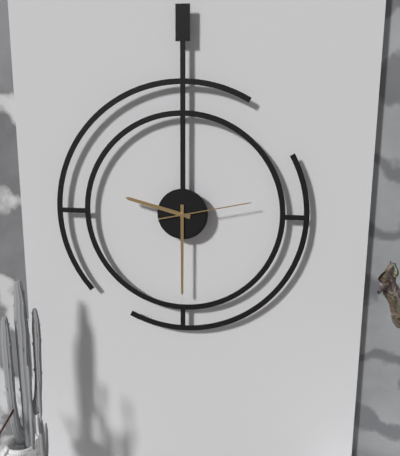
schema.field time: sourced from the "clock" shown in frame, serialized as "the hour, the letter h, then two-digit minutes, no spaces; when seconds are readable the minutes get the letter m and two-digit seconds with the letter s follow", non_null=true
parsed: 9h30m13s
